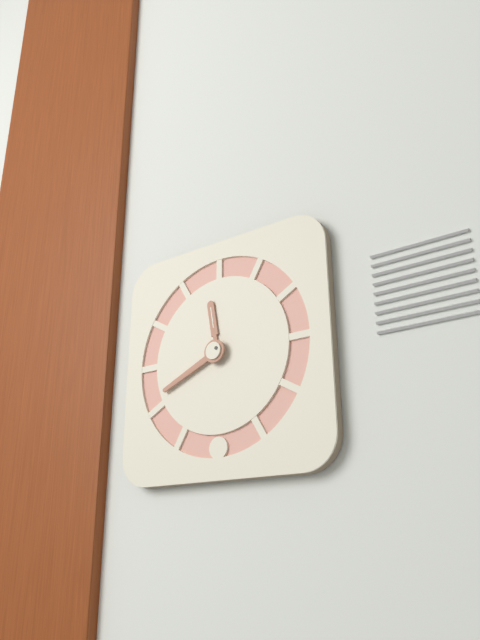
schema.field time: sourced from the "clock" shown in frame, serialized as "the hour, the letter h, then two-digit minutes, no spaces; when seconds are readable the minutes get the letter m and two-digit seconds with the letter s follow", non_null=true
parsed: 11h41
